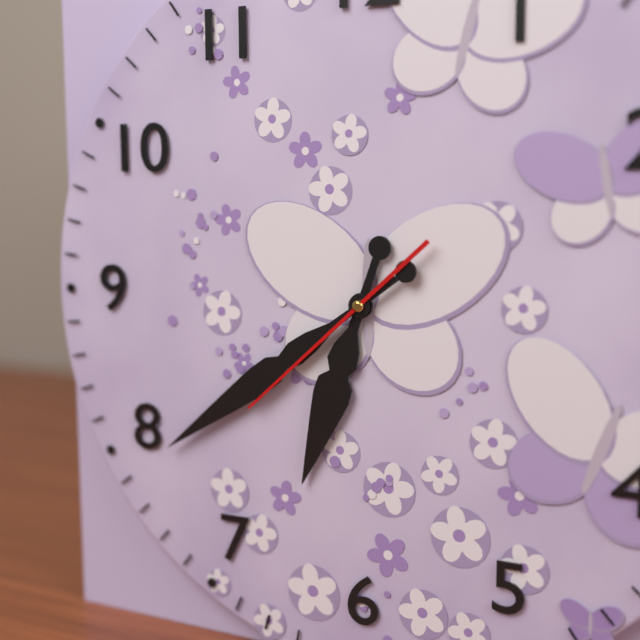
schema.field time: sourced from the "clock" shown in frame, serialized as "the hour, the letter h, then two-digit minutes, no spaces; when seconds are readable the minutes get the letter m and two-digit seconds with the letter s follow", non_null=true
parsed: 6h39m38s
